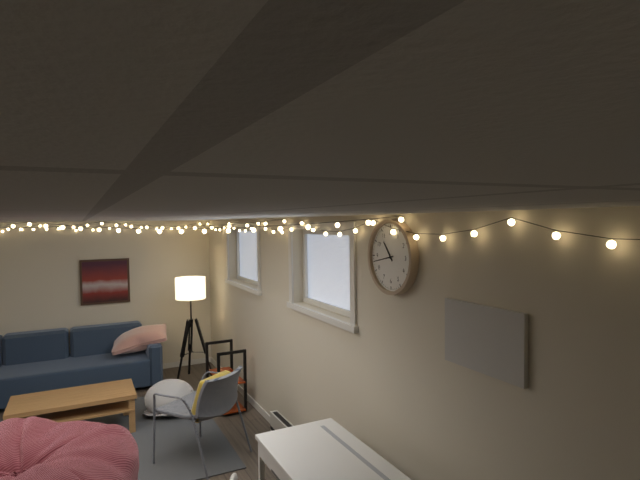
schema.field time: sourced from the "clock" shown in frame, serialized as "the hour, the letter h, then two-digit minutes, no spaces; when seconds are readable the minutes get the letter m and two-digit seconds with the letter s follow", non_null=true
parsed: 10h43
